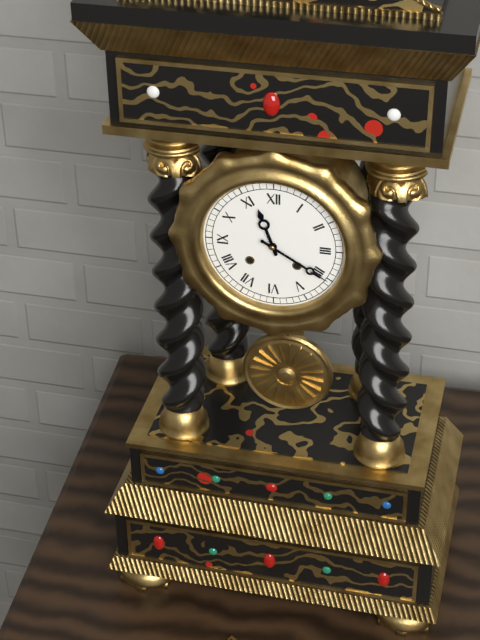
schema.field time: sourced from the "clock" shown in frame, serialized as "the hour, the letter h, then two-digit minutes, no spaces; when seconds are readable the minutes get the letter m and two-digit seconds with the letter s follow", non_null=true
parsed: 11h20
